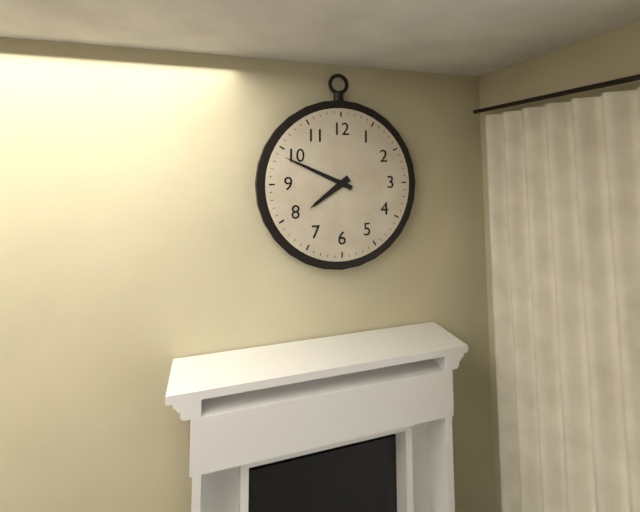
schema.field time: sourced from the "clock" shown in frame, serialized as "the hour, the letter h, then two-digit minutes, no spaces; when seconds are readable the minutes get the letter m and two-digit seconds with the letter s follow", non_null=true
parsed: 7h49
